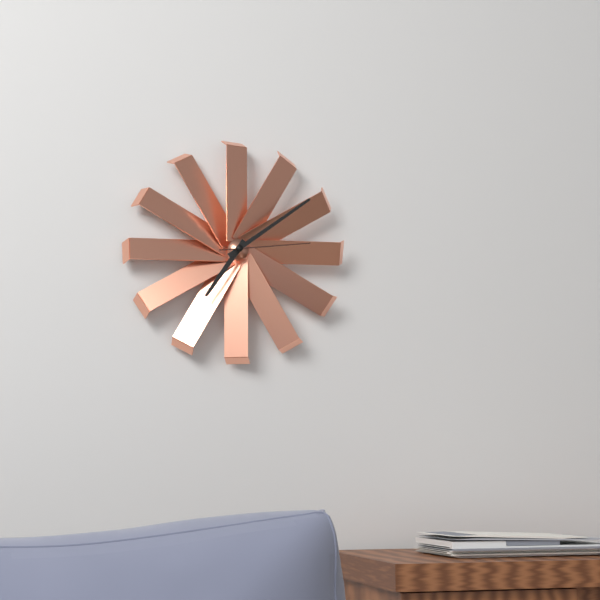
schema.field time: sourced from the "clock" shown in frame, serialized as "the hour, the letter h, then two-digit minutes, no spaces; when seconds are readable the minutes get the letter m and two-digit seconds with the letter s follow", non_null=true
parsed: 7h09m14s
